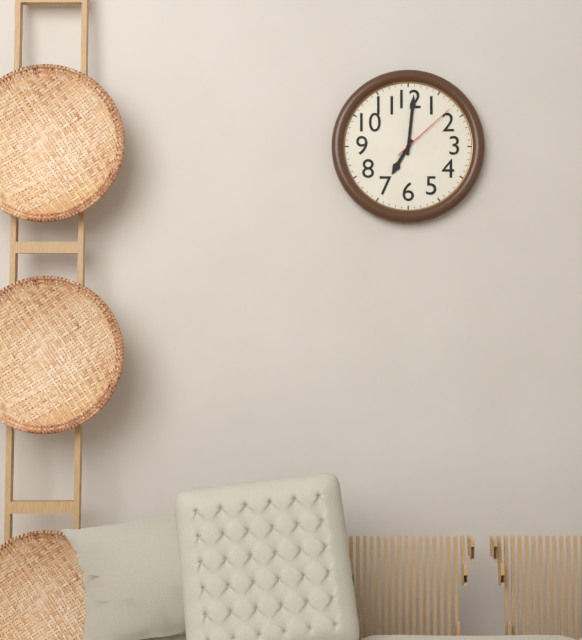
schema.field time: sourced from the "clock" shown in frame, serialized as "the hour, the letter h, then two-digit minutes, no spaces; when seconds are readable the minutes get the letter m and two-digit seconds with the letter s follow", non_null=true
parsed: 7h01m08s
